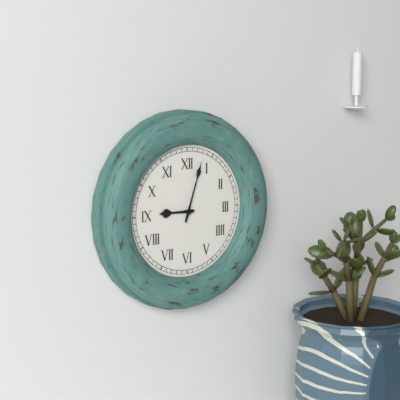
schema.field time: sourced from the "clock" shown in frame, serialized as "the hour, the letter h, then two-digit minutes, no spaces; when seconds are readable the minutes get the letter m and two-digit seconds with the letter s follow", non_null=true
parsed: 9h03
